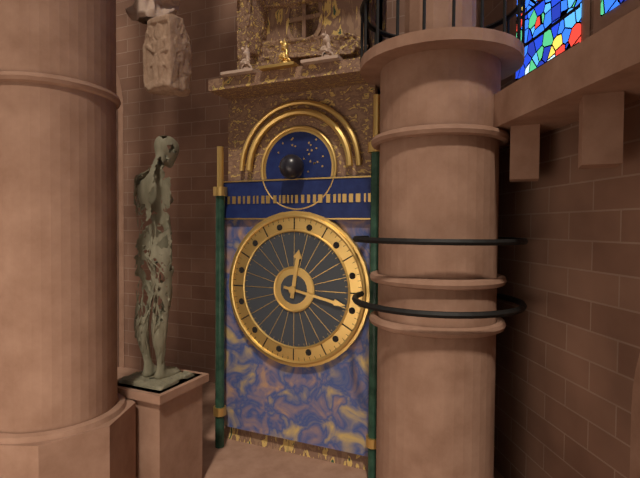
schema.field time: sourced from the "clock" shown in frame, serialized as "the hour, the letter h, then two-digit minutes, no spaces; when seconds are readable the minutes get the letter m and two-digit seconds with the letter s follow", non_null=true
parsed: 12h17
